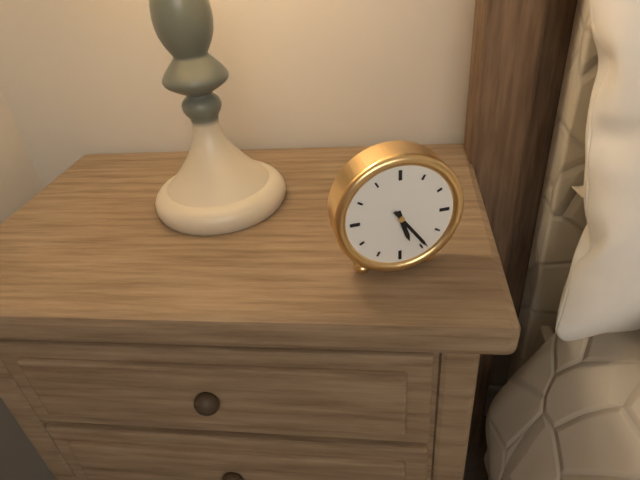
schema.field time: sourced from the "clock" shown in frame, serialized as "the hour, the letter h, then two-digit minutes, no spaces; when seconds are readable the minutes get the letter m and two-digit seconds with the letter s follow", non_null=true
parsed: 5h24
